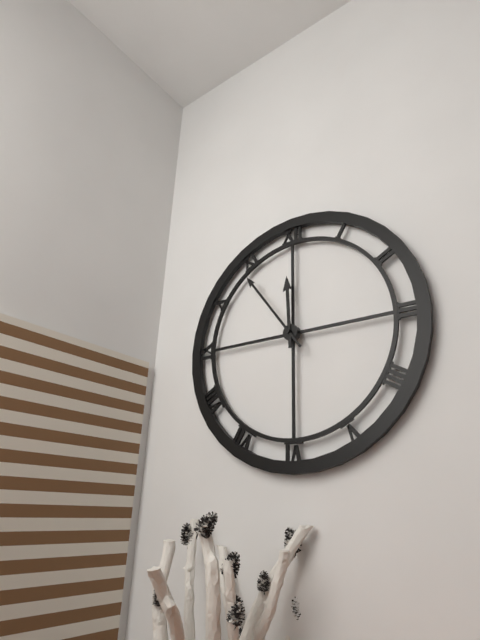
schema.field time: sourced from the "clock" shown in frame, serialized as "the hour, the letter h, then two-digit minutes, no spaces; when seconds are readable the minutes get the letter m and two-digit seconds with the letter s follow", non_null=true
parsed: 11h54
